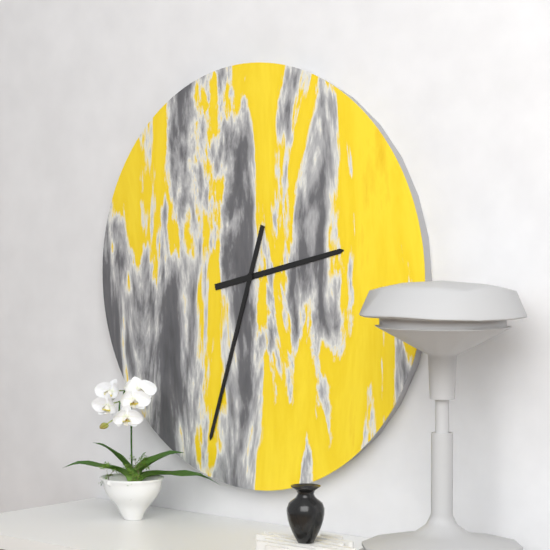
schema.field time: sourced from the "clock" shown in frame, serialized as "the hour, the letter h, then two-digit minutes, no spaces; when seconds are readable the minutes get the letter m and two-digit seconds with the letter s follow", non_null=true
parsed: 2h33
